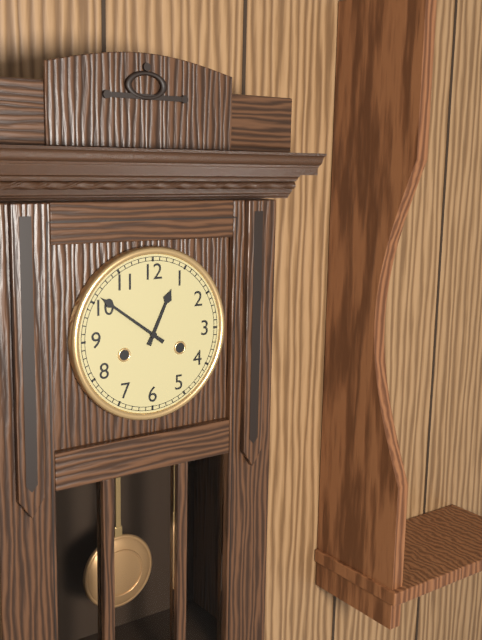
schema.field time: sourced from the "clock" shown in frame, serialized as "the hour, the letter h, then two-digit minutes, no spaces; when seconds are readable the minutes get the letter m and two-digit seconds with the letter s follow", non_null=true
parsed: 12h51
